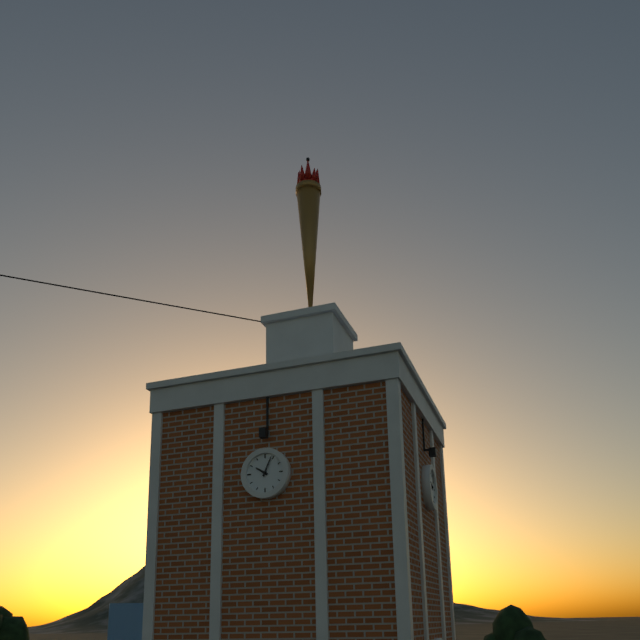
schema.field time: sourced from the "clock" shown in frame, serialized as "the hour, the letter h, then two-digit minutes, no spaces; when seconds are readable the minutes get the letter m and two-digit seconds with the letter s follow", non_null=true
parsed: 10h04
